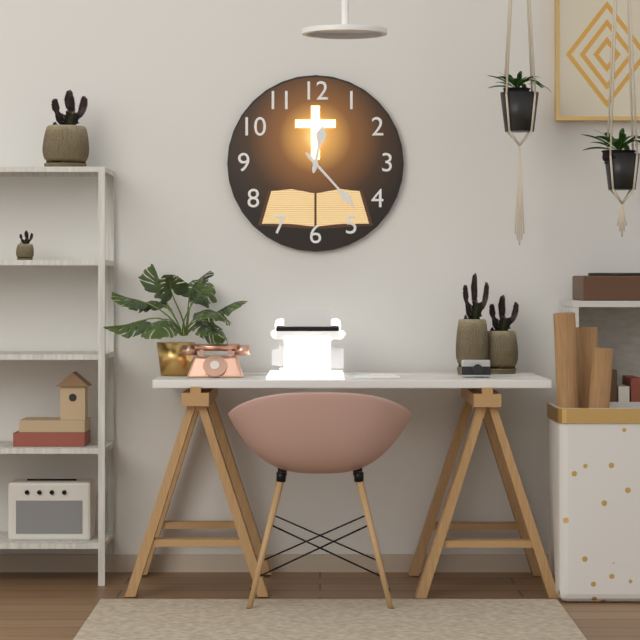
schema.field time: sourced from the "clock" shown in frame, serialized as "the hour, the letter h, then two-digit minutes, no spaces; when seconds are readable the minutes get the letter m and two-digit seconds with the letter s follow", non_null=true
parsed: 12h23
